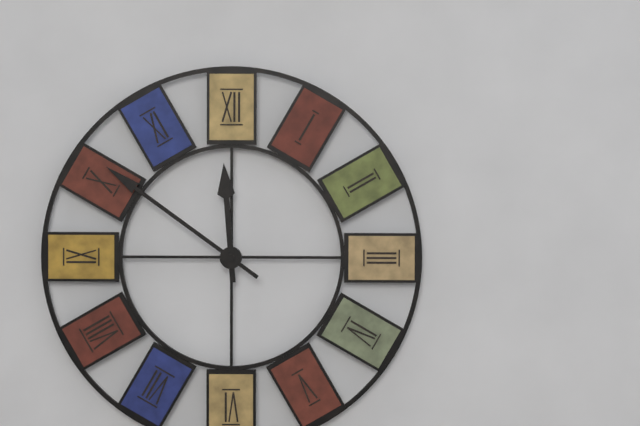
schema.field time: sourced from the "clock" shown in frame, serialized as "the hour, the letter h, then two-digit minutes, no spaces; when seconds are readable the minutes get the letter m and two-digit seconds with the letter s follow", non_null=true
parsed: 11h51
